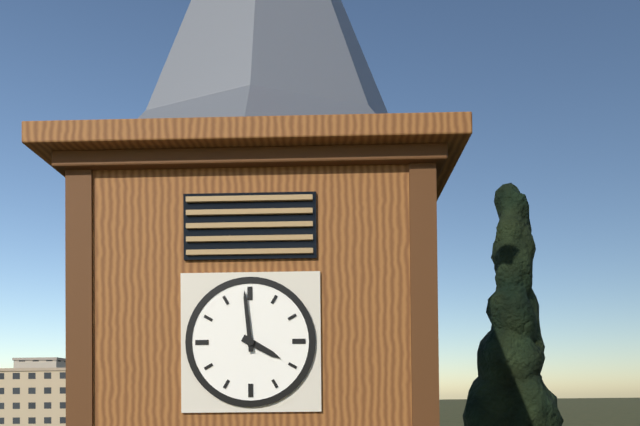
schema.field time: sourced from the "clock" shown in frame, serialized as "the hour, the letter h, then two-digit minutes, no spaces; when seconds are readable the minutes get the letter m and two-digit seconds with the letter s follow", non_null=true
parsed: 3h59
